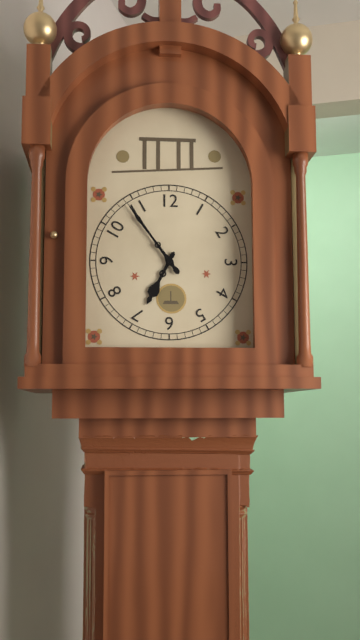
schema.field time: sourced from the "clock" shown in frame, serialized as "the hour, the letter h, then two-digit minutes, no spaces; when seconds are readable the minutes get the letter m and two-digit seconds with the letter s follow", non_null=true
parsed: 6h54
